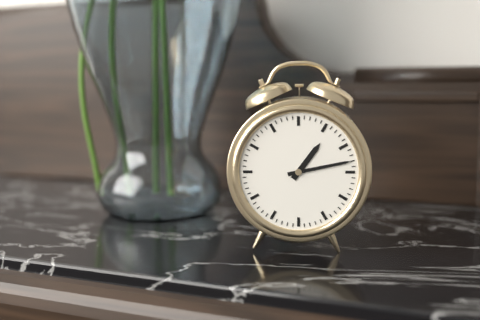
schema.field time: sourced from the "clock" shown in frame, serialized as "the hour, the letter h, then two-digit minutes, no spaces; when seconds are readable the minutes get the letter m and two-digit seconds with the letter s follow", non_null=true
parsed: 1h13
